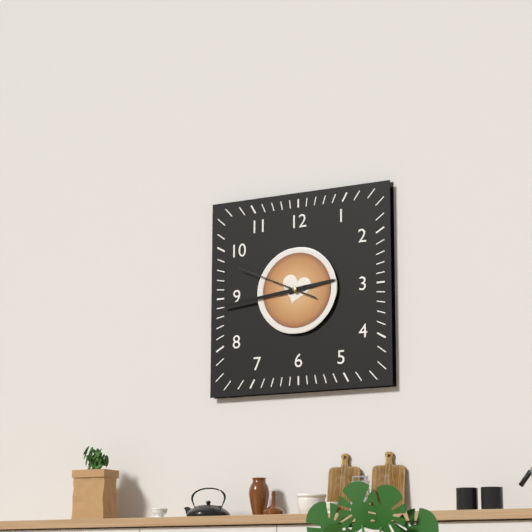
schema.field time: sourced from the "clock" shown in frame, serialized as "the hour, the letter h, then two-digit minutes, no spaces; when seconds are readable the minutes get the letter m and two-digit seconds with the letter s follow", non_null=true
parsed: 2h44m49s
